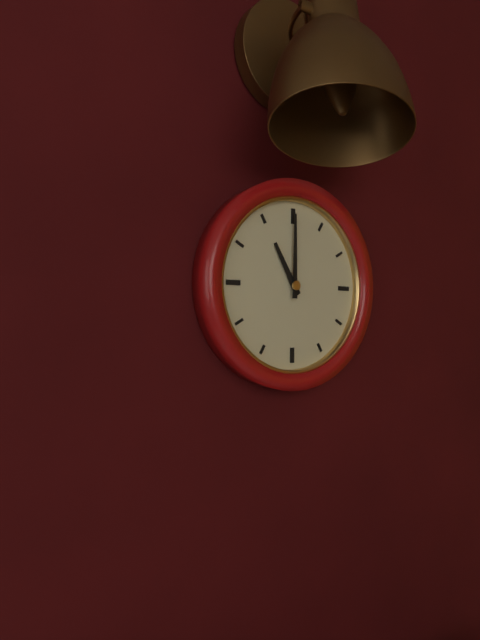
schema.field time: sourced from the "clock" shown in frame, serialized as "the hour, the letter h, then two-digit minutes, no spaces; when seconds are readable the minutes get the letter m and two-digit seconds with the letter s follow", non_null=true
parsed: 11h00
